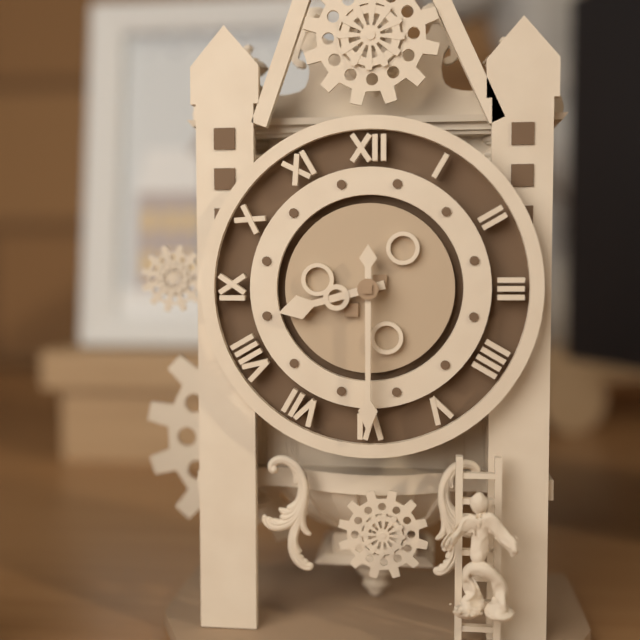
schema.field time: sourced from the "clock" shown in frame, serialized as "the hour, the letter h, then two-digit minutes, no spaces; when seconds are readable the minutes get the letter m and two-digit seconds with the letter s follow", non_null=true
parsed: 8h30
